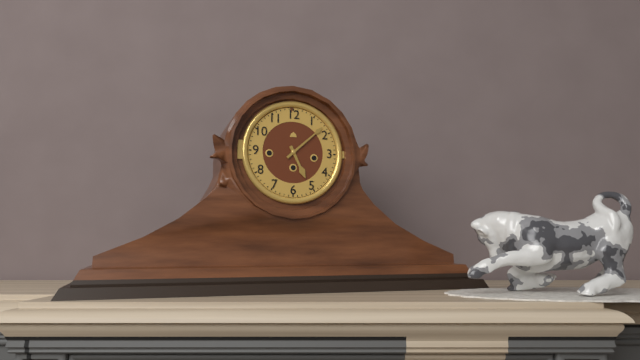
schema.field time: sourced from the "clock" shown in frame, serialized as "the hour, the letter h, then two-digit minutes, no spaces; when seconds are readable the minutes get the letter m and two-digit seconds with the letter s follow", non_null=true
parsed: 5h08
